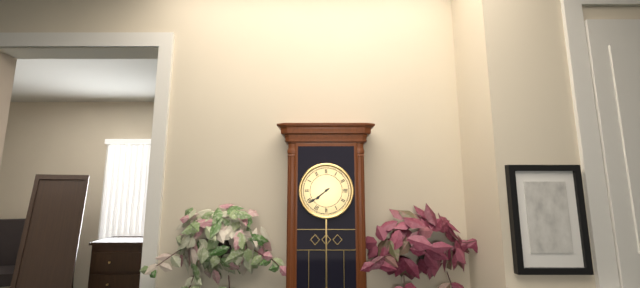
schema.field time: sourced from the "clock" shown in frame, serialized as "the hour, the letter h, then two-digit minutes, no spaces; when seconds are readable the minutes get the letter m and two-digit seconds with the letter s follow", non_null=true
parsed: 7h39
